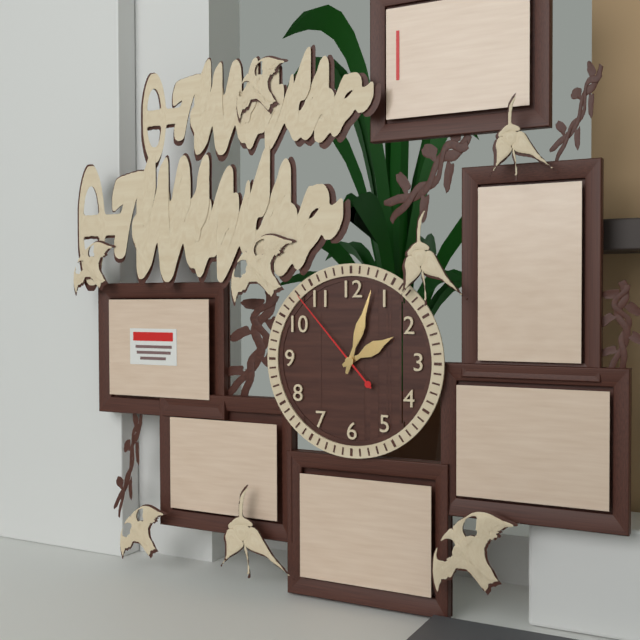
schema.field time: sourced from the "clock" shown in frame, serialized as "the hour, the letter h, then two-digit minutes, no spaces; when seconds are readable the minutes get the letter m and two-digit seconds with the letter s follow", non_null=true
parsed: 2h03m53s
